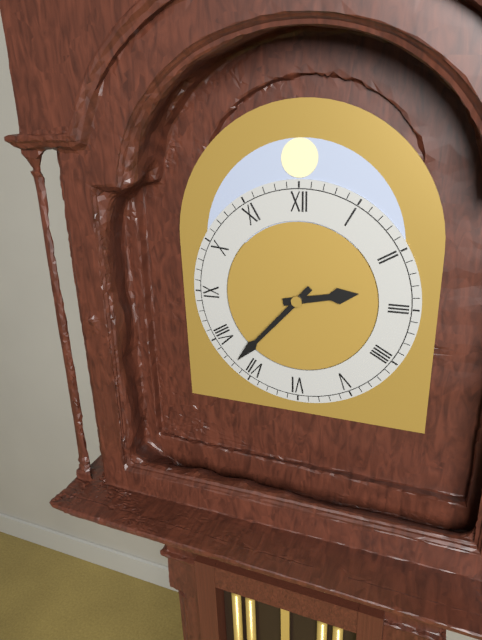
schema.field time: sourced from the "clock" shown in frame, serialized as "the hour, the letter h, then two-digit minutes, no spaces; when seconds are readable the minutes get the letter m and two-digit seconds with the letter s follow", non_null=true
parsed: 2h37
